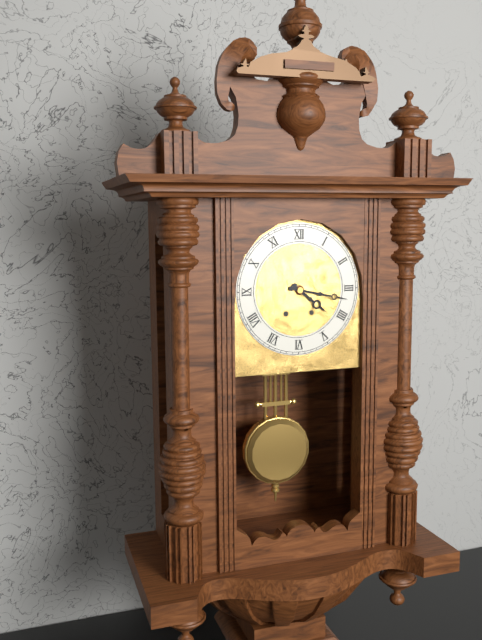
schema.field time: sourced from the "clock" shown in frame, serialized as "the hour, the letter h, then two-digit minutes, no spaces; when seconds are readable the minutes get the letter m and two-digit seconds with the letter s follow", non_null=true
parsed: 4h17
